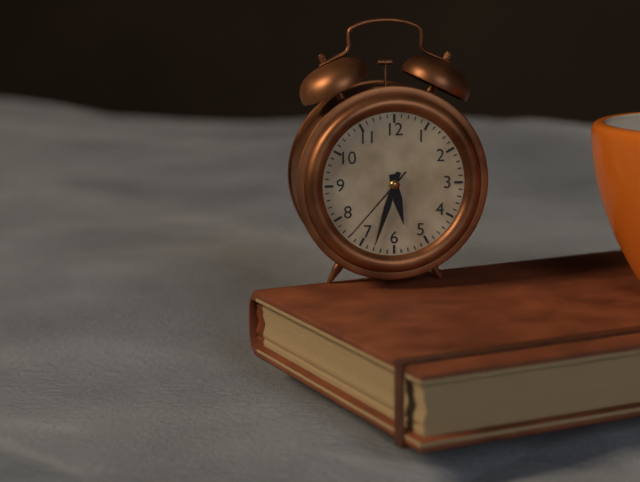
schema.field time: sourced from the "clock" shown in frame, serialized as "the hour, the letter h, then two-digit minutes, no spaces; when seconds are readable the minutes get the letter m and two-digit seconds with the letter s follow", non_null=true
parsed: 5h33m37s
